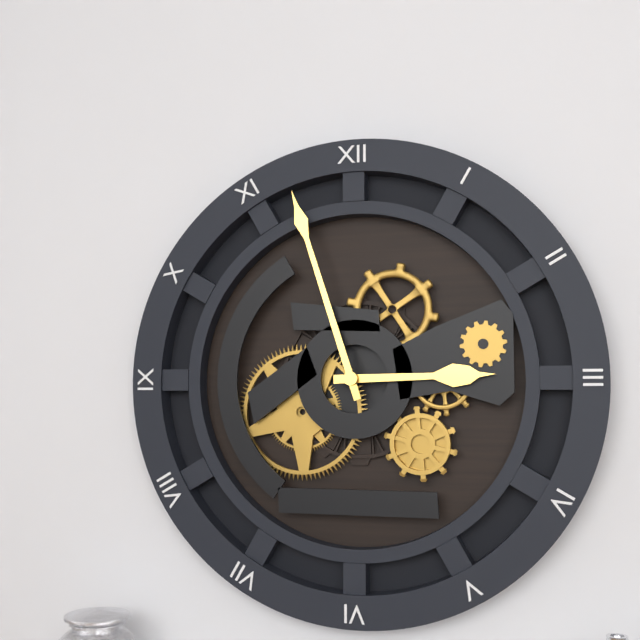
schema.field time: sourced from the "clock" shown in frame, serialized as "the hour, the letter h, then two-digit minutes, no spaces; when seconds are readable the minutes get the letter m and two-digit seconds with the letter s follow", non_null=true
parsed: 2h57
